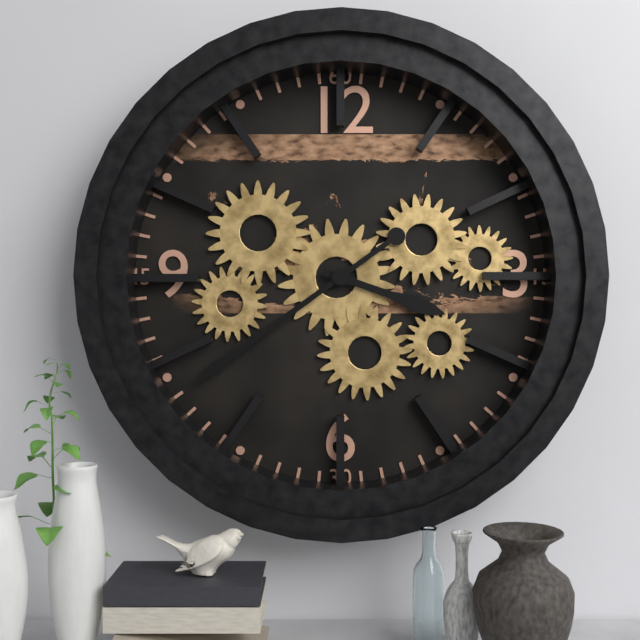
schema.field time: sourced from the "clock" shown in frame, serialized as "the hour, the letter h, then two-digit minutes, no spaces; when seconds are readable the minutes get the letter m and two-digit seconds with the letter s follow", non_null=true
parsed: 3h39
